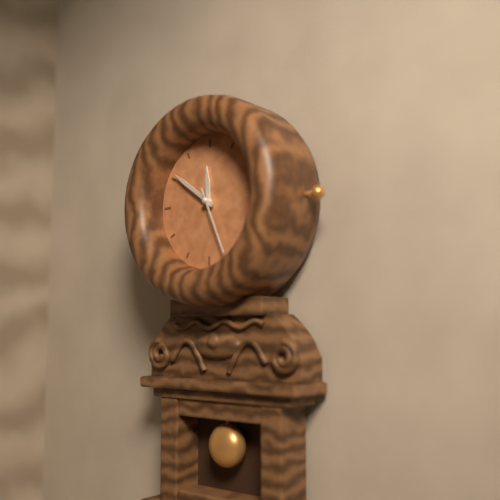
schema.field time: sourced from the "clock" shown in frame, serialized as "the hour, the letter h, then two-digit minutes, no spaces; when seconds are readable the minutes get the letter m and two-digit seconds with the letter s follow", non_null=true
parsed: 11h51m26s
